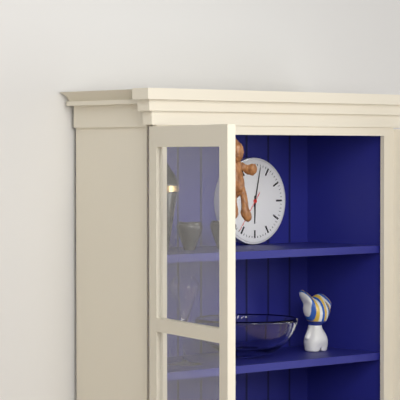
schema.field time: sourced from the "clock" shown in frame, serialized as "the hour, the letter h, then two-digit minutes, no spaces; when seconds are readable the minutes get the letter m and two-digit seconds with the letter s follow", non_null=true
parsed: 6h02
